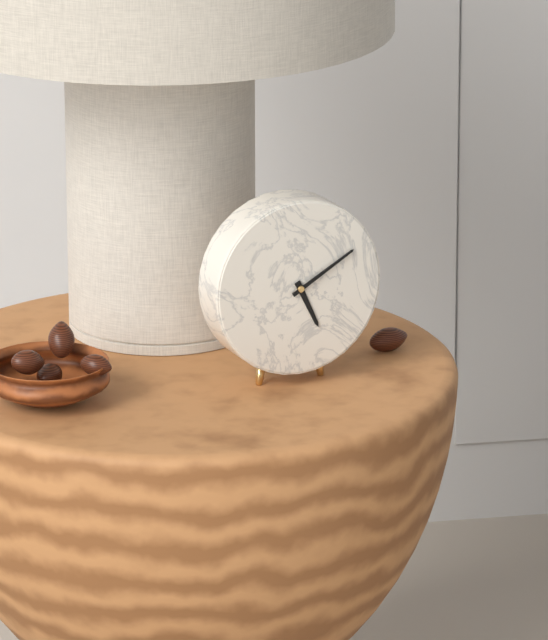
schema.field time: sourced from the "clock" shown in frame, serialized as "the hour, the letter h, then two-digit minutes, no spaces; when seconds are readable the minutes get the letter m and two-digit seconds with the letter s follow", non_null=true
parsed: 5h10
